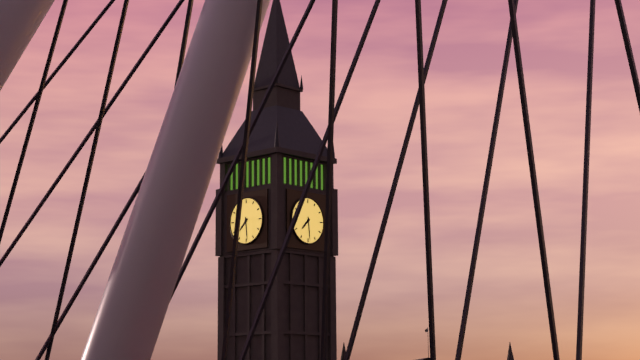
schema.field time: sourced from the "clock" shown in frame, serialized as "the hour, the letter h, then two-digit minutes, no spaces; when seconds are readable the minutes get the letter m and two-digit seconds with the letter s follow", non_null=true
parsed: 7h29
